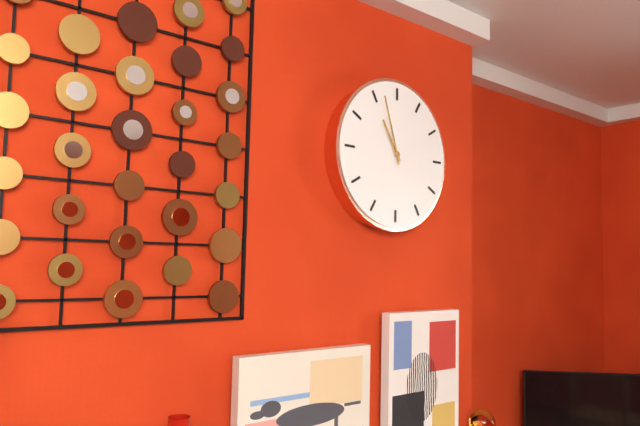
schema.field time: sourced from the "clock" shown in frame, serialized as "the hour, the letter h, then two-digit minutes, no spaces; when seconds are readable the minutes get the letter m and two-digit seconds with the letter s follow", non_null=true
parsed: 10h57
